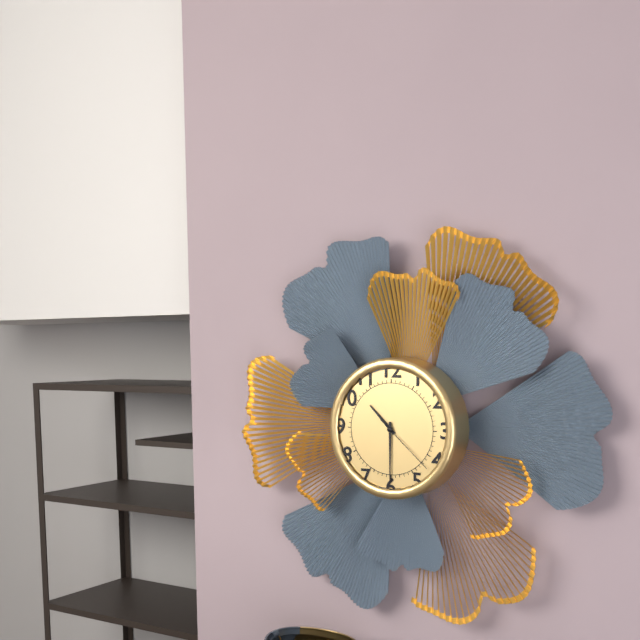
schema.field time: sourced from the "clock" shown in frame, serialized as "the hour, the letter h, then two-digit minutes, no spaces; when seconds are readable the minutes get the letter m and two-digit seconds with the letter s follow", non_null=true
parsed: 10h30m22s
